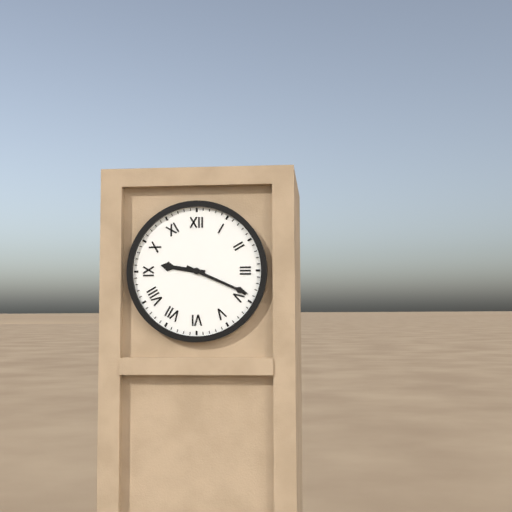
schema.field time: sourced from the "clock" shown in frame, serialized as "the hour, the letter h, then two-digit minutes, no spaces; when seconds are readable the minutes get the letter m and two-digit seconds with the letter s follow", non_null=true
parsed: 9h19
